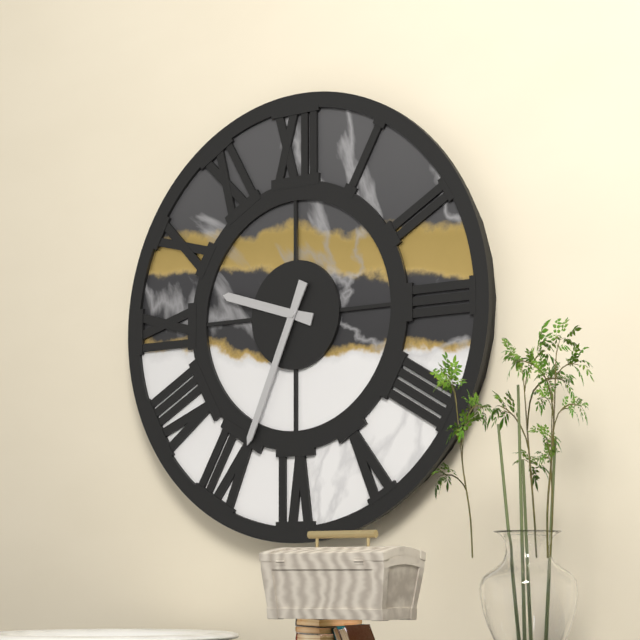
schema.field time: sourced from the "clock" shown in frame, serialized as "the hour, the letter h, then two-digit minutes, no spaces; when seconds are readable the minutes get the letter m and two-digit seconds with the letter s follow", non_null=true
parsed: 9h34
